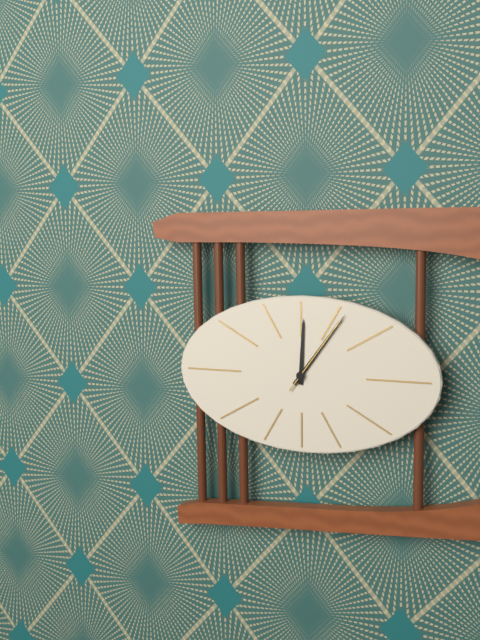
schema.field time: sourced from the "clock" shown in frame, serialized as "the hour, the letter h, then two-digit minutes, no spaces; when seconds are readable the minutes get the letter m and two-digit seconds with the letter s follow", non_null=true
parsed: 12h06m06s
